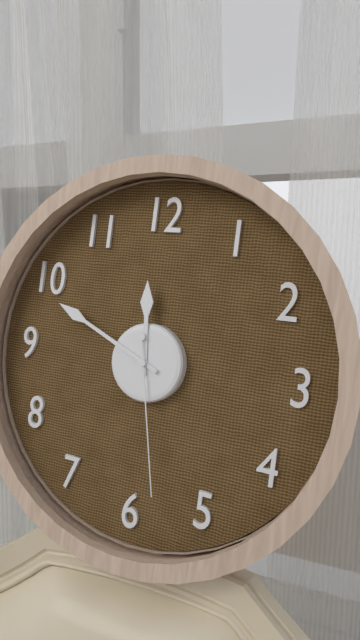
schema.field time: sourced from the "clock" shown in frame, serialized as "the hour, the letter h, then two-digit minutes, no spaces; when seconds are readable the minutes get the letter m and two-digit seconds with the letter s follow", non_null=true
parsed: 11h49m28s
